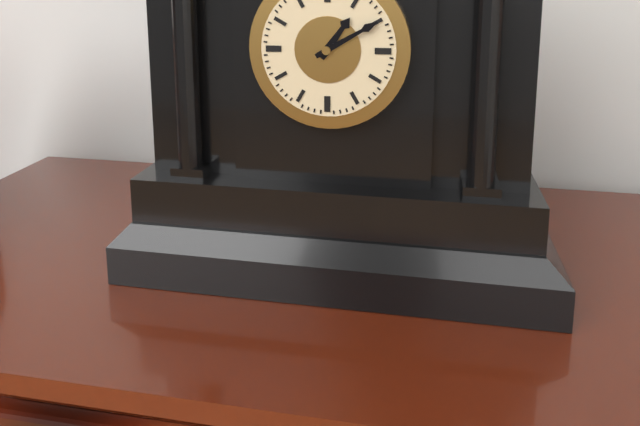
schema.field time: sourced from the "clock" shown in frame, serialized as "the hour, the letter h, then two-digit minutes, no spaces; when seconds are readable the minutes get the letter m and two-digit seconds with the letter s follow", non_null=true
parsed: 1h10
